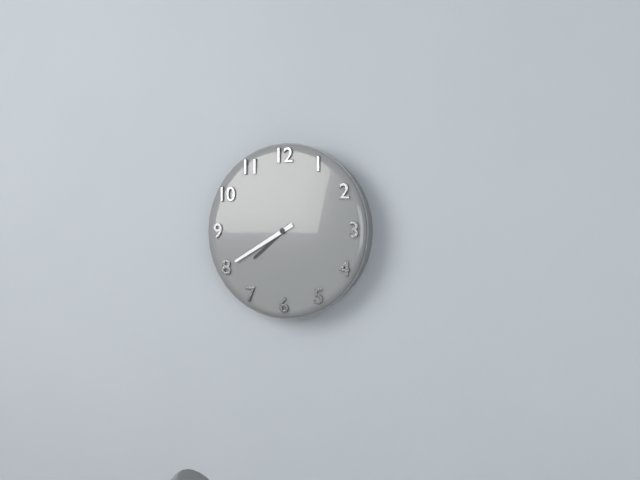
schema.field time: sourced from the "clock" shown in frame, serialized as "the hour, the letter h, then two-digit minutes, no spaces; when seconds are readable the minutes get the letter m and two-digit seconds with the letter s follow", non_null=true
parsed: 7h40
